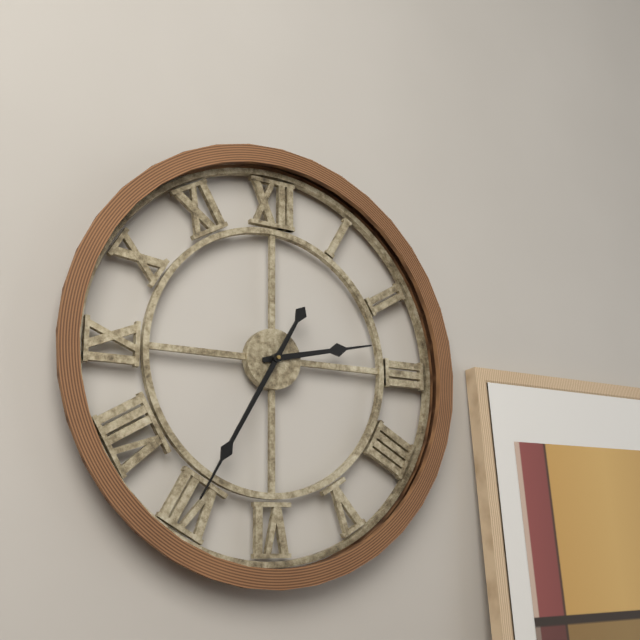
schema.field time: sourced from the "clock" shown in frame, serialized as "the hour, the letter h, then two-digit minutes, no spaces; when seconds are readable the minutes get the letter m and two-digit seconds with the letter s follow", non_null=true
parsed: 2h35
